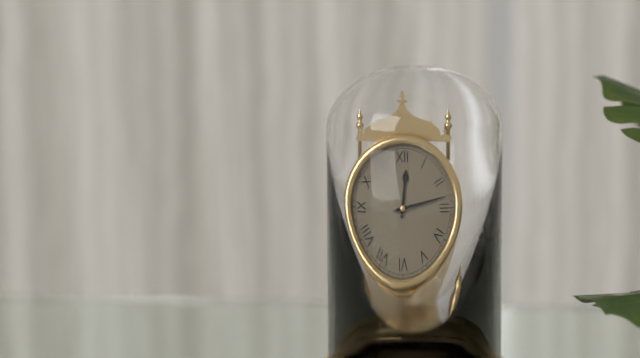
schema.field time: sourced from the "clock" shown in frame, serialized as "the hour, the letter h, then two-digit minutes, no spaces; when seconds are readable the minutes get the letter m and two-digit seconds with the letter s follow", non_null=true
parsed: 12h13
